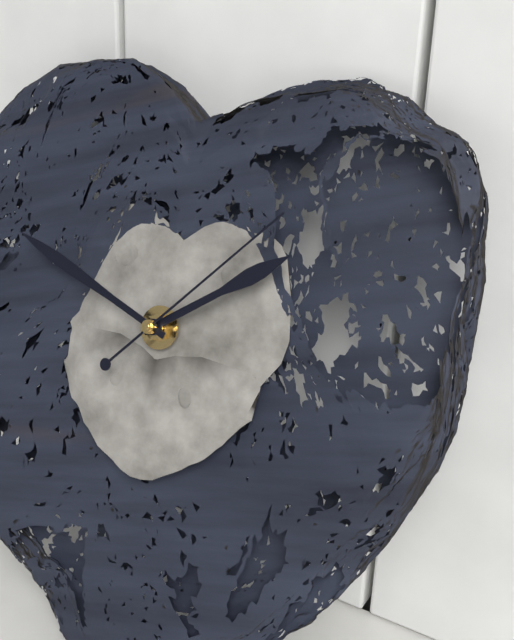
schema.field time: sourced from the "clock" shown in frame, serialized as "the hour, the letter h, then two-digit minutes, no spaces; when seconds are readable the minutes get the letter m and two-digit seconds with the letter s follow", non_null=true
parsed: 1h48m07s
